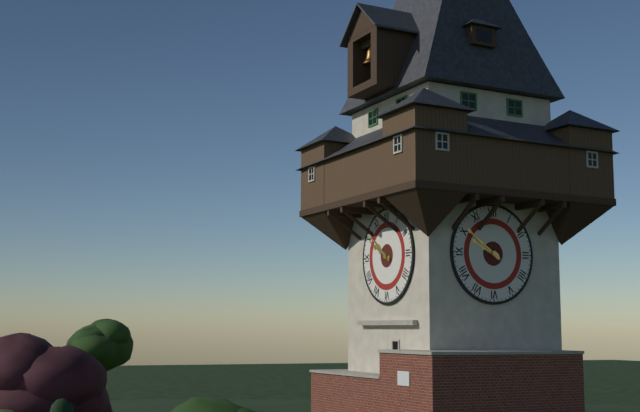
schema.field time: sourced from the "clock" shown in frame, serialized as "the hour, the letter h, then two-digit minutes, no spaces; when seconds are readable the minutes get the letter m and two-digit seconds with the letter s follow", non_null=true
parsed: 9h51
